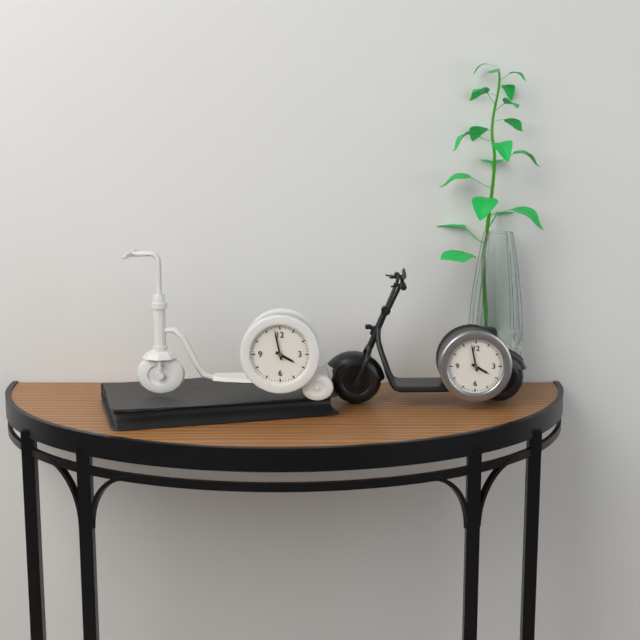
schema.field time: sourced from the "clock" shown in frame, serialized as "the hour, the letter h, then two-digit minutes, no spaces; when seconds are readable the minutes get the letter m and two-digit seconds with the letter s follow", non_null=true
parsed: 3h58
